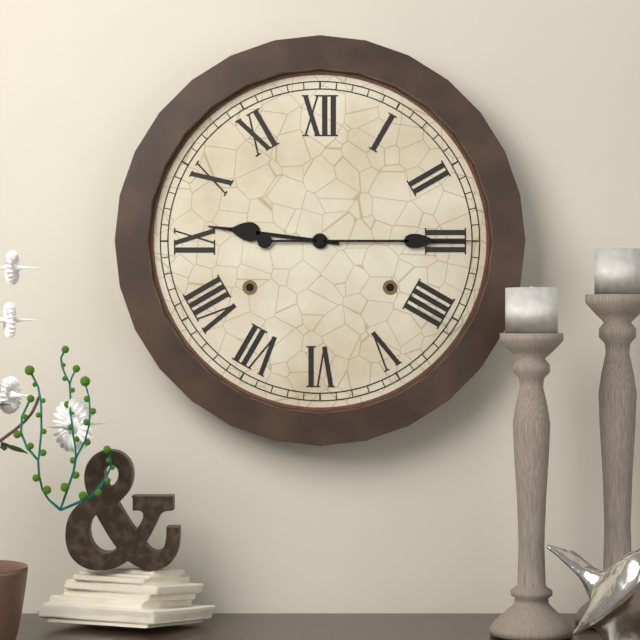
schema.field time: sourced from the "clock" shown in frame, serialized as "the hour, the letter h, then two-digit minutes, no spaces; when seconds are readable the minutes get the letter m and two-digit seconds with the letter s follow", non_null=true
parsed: 9h15
